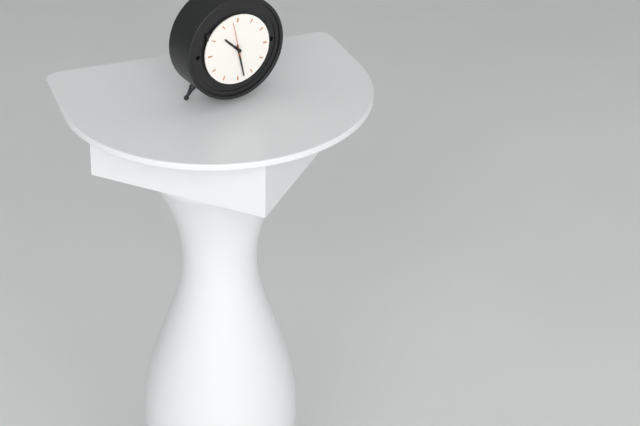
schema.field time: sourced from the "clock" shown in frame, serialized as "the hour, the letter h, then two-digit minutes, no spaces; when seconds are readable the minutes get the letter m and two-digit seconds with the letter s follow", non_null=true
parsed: 10h28
